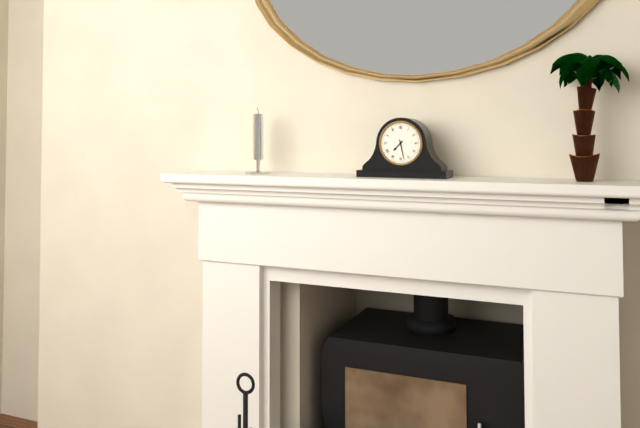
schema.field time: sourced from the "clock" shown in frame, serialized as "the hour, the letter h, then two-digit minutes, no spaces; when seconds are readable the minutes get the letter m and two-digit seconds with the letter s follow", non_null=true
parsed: 7h28
